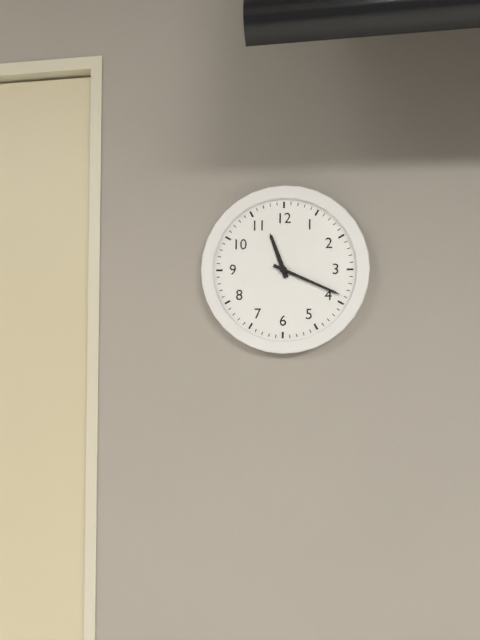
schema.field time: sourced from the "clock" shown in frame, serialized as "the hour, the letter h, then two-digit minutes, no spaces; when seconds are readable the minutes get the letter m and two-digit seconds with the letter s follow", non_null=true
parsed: 11h19
